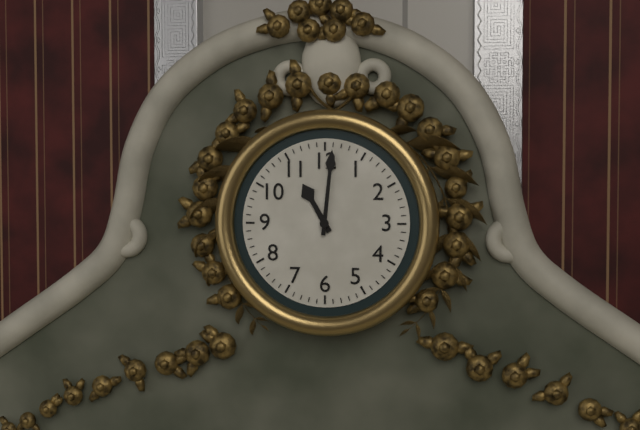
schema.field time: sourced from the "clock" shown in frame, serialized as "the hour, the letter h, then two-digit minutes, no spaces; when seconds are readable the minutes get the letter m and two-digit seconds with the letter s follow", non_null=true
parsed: 11h01
